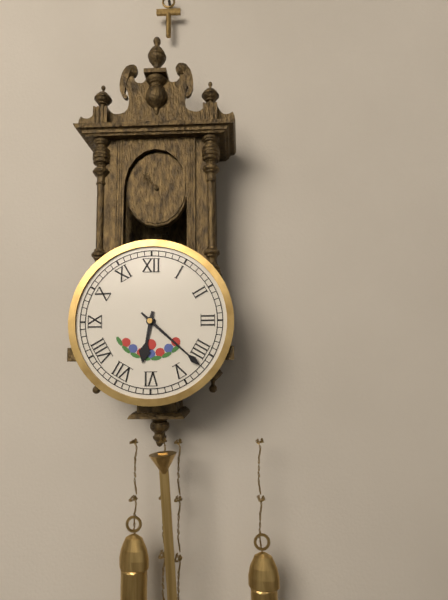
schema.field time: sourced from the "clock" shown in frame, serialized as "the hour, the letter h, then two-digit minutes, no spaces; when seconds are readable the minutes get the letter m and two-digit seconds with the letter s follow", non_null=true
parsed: 6h22
